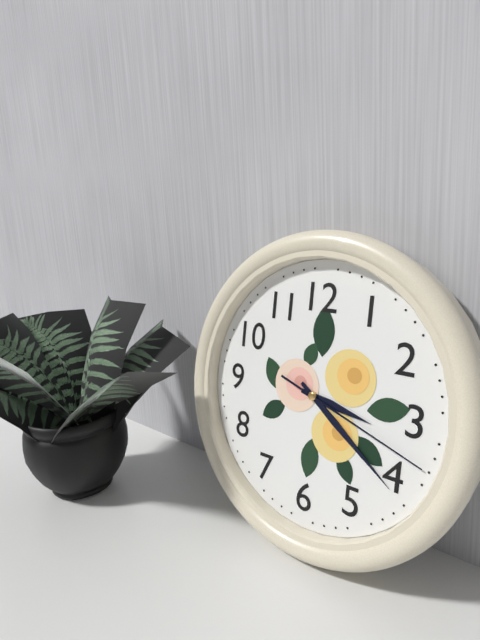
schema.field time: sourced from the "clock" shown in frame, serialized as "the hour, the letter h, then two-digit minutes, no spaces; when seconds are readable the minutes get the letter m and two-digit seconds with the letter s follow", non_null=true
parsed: 3h21m18s
